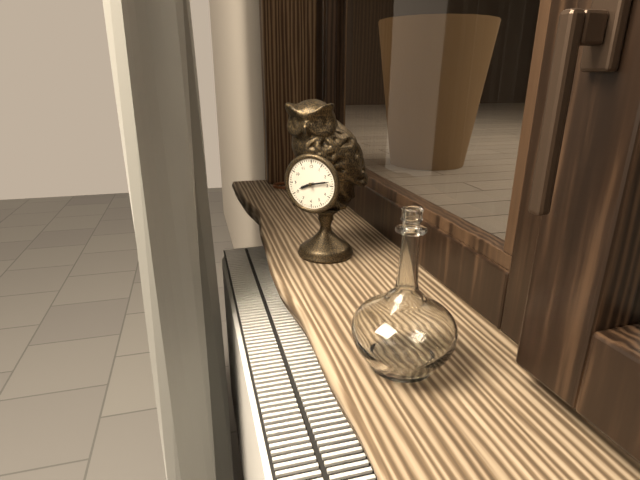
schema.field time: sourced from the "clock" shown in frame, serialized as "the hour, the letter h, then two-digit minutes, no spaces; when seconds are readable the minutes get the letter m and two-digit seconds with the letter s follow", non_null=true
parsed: 8h13
